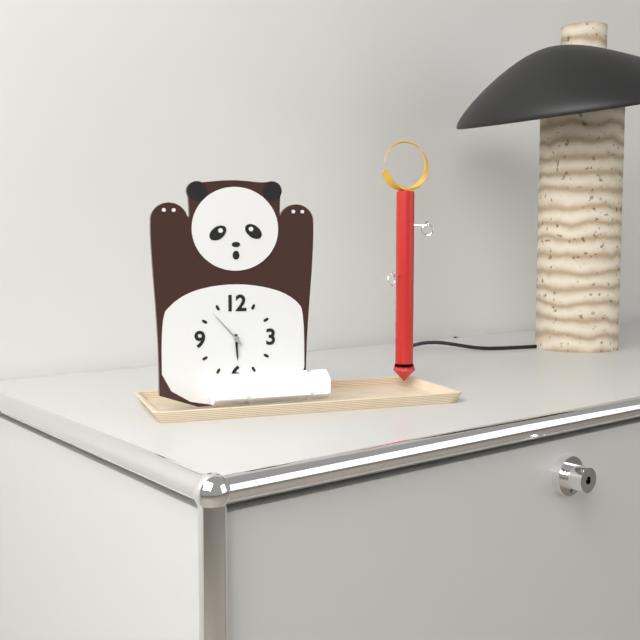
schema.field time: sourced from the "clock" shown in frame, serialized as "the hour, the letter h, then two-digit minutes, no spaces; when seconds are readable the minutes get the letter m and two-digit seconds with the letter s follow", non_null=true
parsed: 5h53
